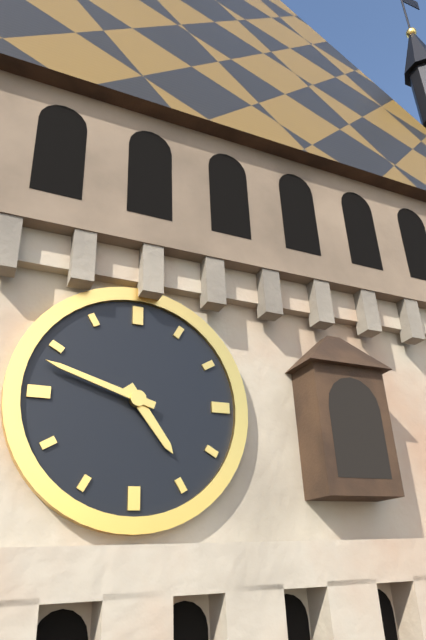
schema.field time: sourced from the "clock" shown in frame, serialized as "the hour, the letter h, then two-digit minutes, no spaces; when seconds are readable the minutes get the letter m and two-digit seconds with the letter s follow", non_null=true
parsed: 4h48
